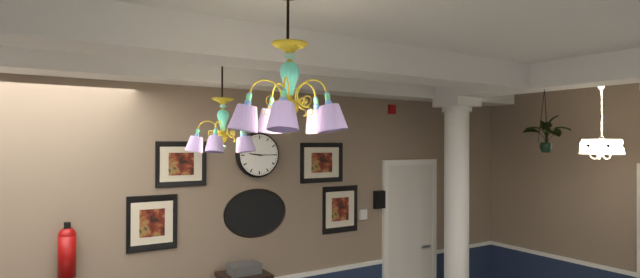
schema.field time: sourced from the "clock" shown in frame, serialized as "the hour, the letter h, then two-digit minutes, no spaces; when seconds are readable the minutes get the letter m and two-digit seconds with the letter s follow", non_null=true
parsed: 9h15
